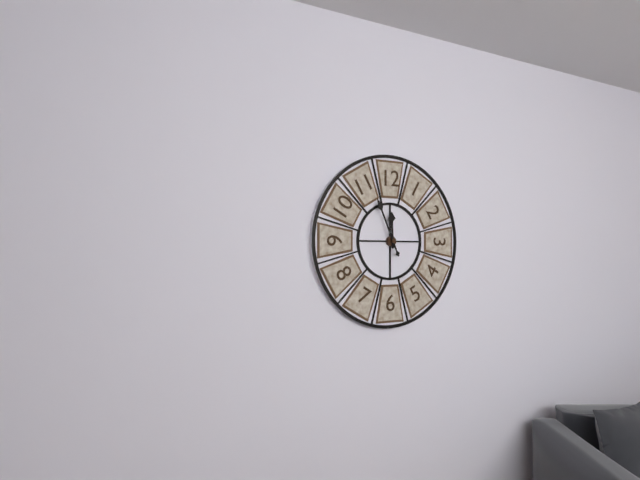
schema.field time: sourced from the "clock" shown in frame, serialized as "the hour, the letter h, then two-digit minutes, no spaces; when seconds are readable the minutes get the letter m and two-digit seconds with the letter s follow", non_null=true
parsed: 11h56
